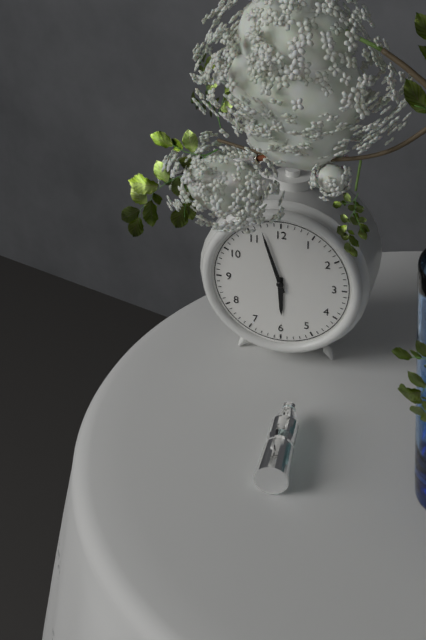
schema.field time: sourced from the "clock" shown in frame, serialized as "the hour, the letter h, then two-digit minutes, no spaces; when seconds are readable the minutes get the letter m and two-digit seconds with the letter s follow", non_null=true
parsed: 5h57
